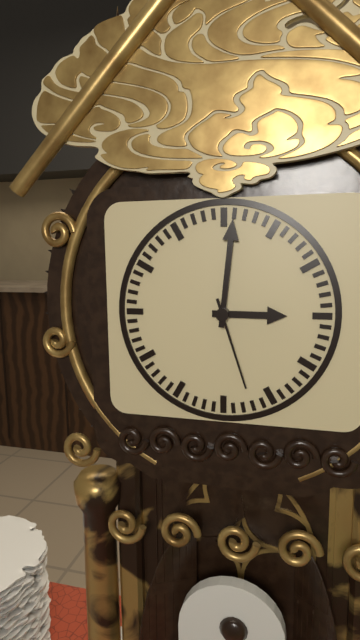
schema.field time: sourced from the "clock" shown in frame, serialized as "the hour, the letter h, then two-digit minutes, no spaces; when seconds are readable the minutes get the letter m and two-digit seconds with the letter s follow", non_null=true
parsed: 3h01m27s
